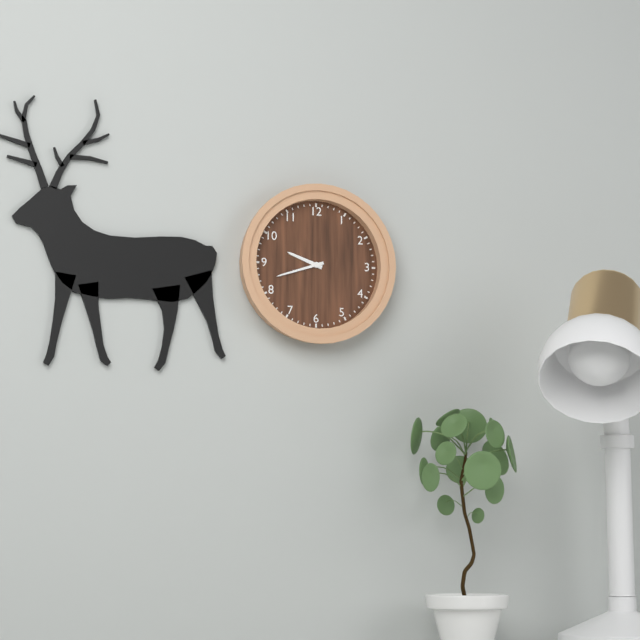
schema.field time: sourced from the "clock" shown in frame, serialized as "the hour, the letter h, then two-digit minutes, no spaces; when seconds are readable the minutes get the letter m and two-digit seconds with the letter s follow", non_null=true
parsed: 9h42
